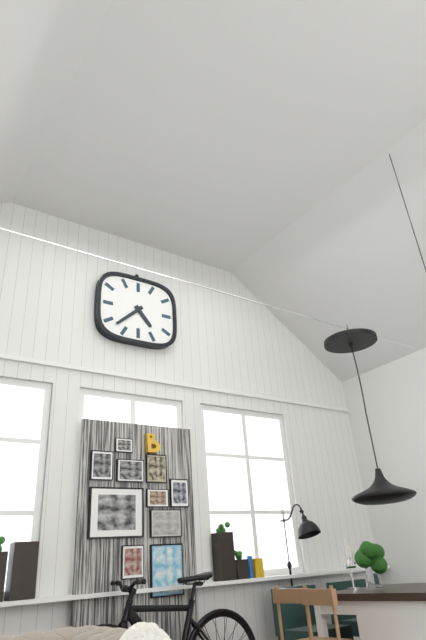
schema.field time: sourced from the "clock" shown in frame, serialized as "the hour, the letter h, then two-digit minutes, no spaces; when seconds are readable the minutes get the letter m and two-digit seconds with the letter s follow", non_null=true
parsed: 4h38
